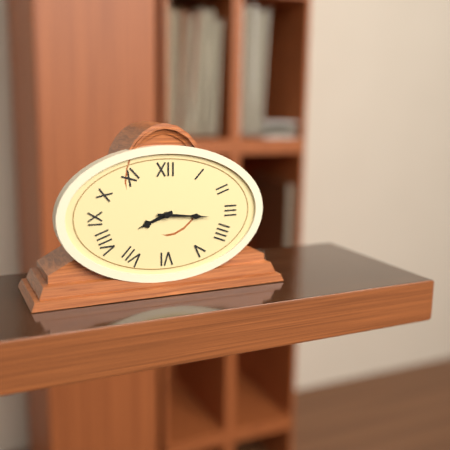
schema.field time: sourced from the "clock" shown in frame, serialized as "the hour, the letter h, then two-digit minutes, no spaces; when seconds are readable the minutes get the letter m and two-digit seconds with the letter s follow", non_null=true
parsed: 8h16
